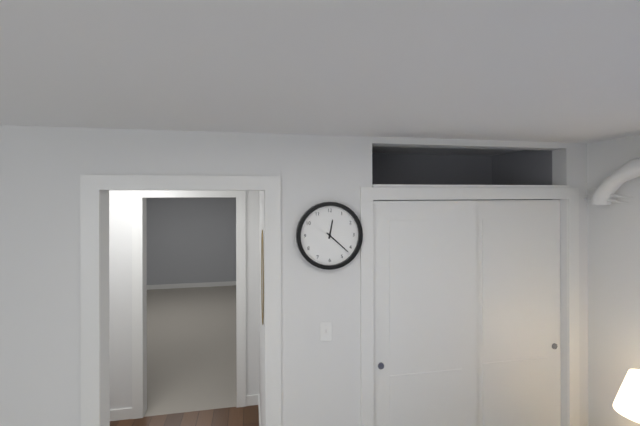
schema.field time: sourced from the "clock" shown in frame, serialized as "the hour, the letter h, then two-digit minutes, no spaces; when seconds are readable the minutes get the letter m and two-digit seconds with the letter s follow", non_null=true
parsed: 12h22
